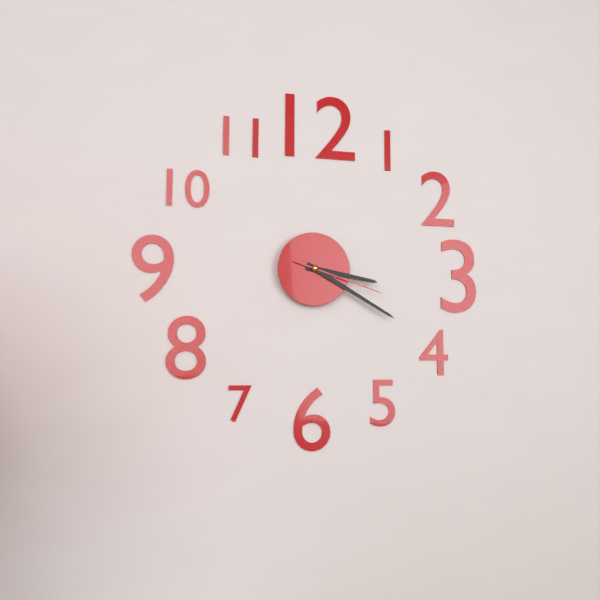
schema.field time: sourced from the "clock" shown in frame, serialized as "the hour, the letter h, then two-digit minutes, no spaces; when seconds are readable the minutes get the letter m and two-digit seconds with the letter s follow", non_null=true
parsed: 3h20m18s
